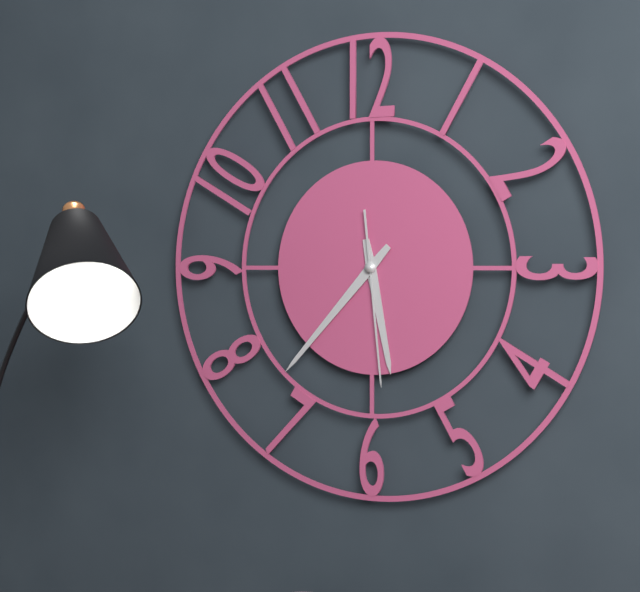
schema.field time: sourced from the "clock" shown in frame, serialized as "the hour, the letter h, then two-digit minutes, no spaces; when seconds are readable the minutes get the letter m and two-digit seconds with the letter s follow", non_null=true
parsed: 5h37m29s
